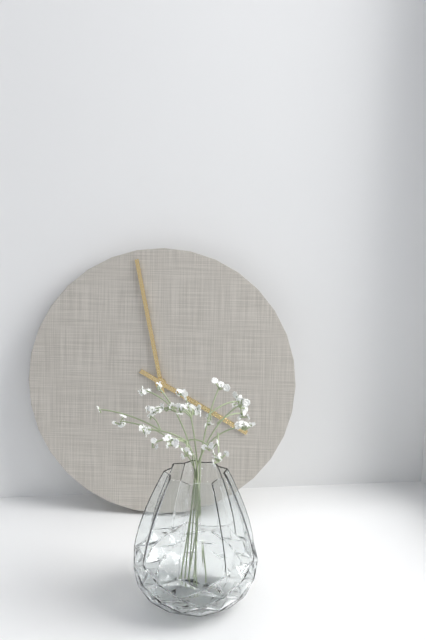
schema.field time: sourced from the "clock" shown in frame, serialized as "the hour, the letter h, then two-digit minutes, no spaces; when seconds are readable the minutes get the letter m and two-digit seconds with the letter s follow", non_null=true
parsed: 3h58
